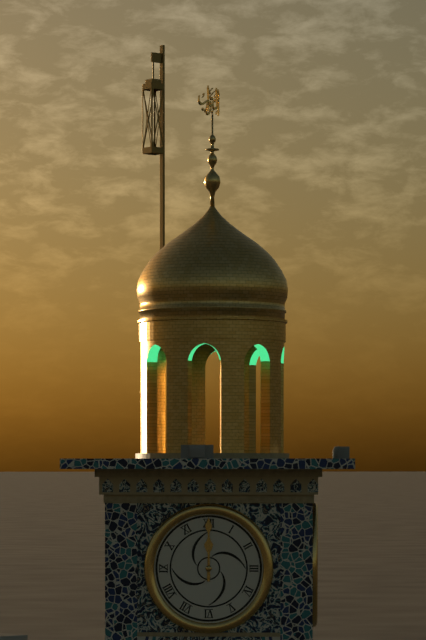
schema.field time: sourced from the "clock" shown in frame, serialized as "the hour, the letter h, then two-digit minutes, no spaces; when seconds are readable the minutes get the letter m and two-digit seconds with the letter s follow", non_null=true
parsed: 12h00
